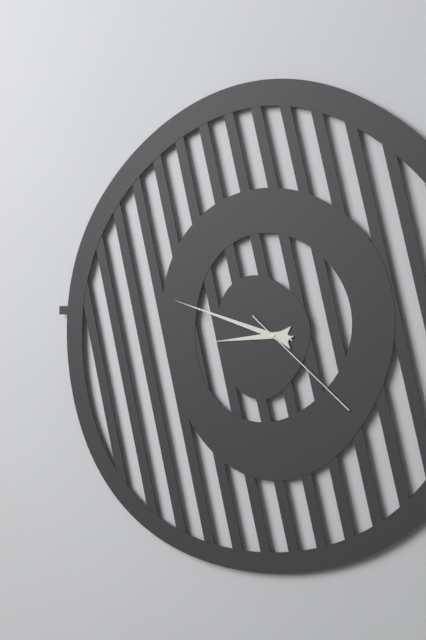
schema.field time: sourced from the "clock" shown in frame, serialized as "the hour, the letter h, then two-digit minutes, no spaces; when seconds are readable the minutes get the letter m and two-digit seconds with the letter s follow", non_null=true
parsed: 8h48m22s
